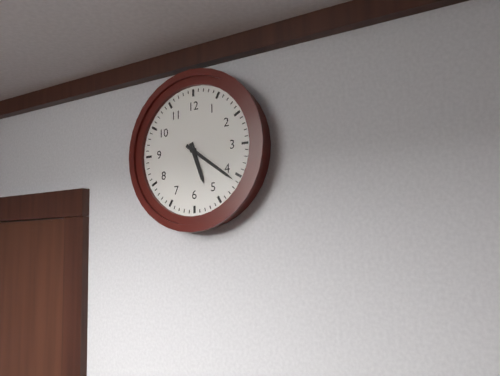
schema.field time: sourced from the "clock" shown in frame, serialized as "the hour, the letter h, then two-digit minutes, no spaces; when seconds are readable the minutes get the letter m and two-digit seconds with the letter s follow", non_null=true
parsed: 5h21
